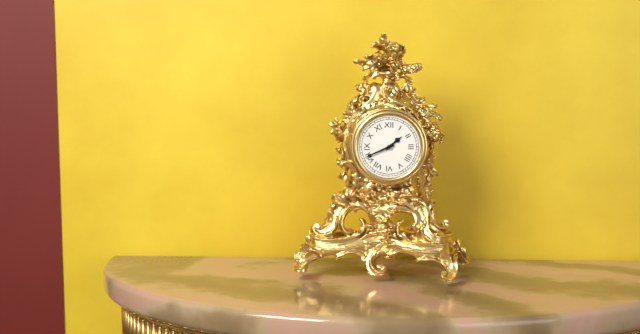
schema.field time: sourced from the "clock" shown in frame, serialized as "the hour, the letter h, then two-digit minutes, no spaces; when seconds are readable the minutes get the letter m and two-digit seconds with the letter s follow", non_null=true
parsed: 1h41
